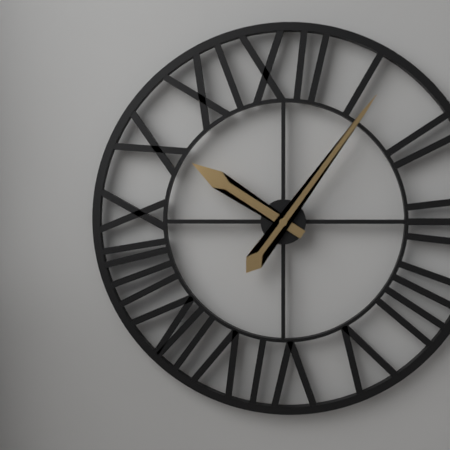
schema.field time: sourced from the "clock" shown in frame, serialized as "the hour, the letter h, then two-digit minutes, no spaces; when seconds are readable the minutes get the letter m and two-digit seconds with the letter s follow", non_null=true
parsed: 10h06
